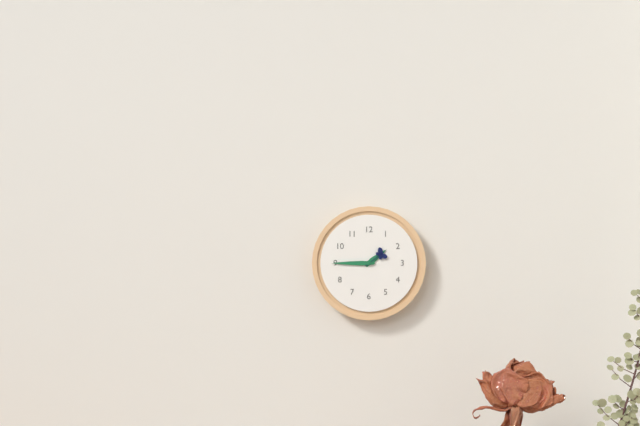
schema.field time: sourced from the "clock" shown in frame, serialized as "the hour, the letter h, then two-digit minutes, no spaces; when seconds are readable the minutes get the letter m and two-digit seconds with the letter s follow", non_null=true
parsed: 1h45
